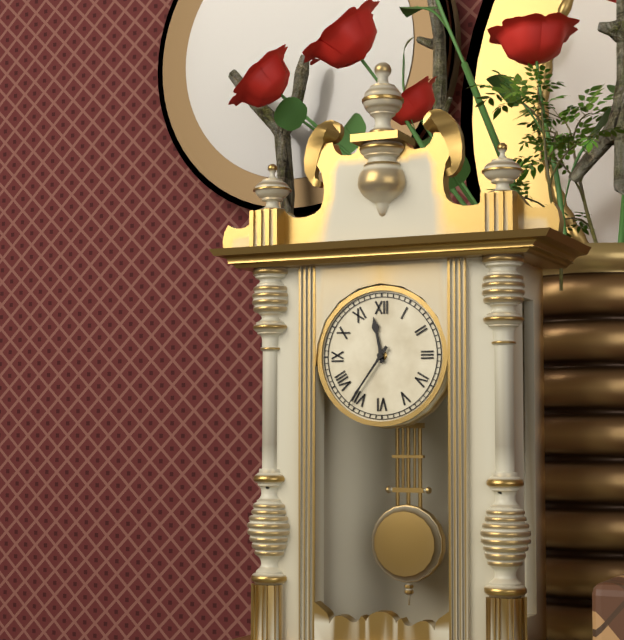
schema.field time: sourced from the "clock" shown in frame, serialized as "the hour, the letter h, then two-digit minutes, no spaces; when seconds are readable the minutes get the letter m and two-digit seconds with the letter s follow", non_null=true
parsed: 11h36
